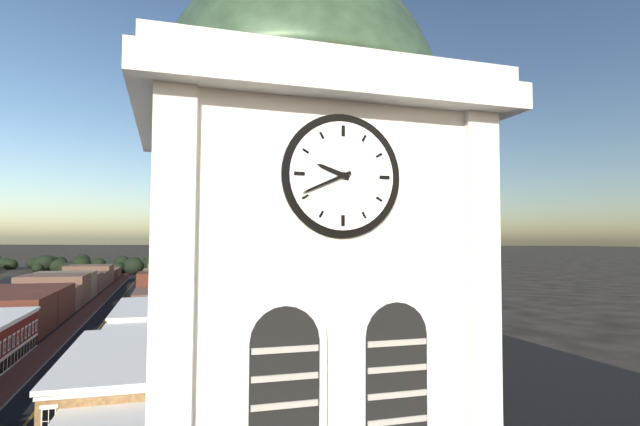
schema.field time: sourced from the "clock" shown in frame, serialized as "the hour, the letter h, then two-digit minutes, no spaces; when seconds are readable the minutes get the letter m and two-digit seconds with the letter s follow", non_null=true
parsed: 9h41
